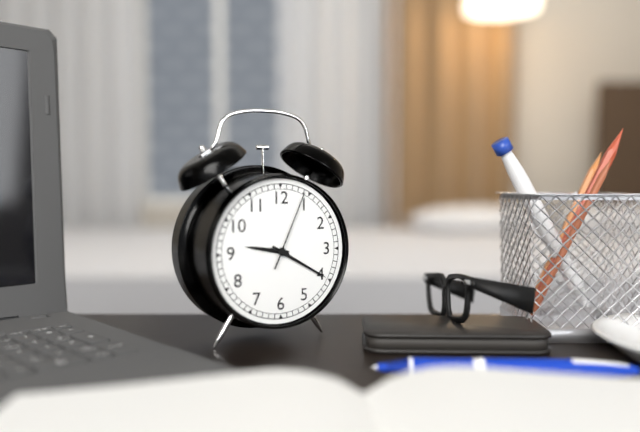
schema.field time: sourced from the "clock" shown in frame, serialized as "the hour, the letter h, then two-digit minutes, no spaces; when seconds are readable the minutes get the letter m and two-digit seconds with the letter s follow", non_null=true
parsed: 9h20m04s
